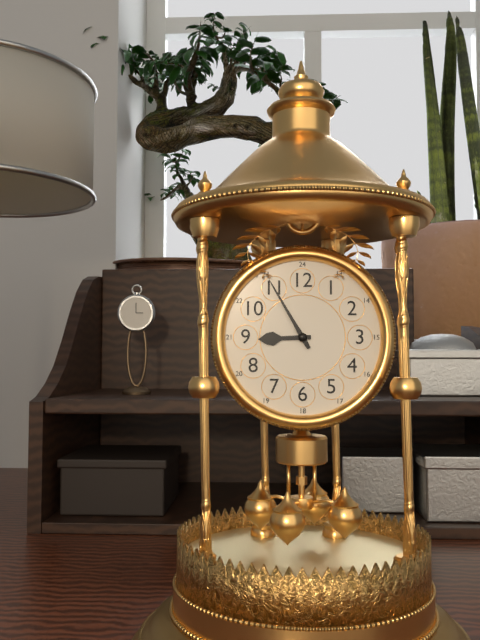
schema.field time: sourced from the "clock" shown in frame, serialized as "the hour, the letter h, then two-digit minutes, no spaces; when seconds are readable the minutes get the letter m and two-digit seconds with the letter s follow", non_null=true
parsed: 8h55
